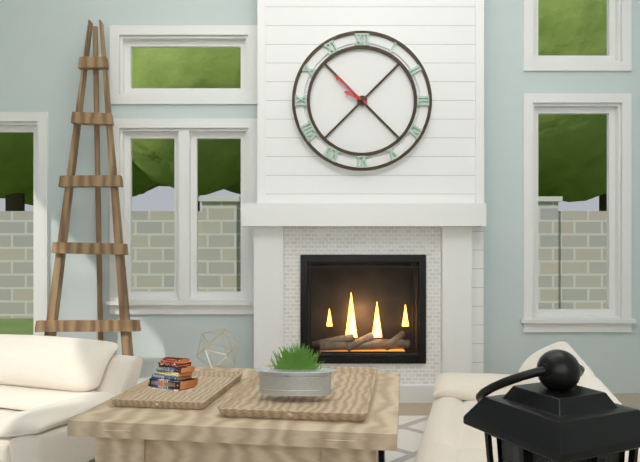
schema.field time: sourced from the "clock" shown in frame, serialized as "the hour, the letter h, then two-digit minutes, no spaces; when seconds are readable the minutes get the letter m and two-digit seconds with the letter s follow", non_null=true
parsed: 9h52
